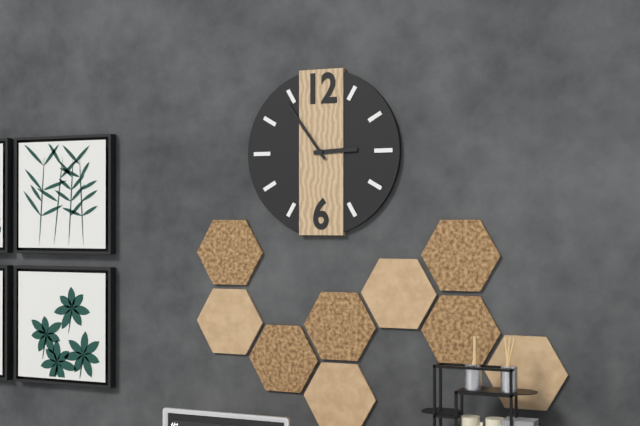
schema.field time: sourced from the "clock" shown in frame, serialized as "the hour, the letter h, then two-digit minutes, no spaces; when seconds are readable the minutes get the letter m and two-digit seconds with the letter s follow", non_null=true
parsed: 2h54
